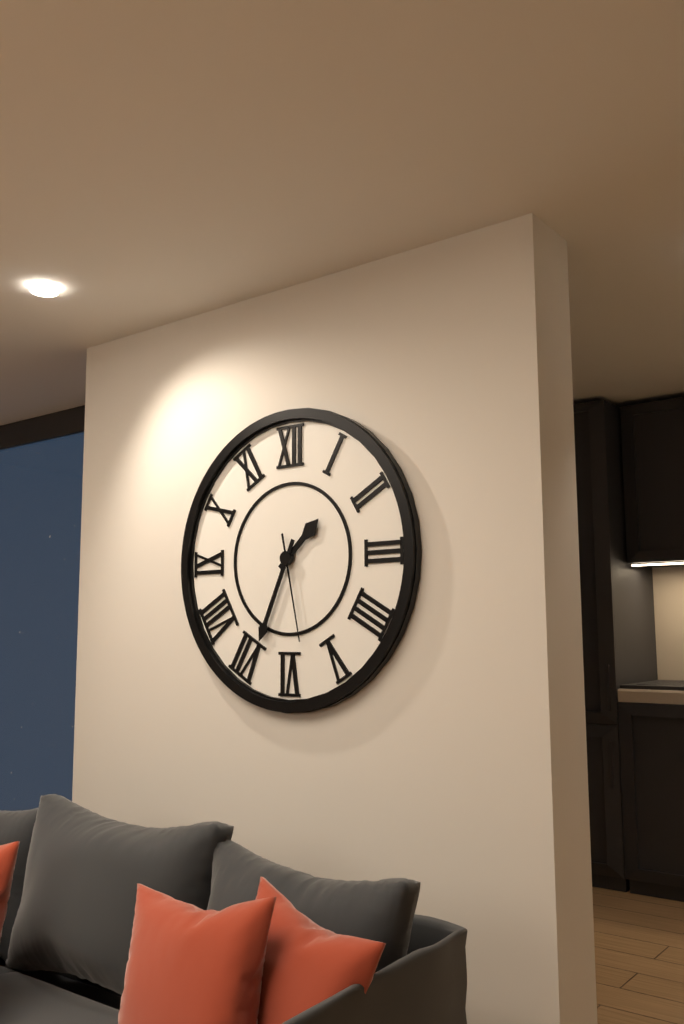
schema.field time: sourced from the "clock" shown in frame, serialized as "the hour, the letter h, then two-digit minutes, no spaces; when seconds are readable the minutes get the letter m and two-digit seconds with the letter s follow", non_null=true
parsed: 1h34m28s
